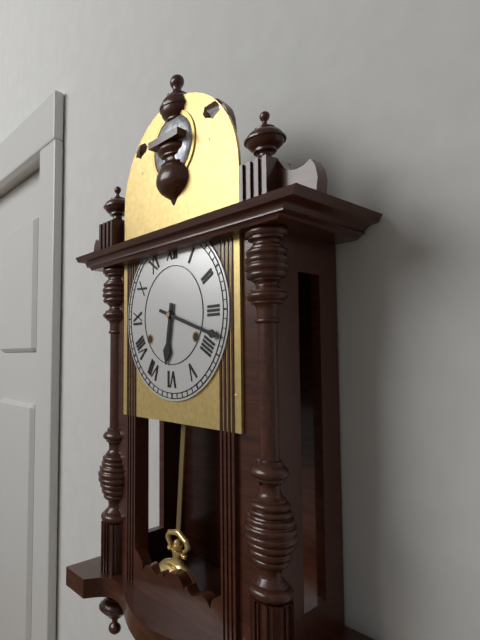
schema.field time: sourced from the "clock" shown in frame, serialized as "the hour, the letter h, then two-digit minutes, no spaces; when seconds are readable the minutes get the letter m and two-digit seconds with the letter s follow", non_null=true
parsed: 6h18
